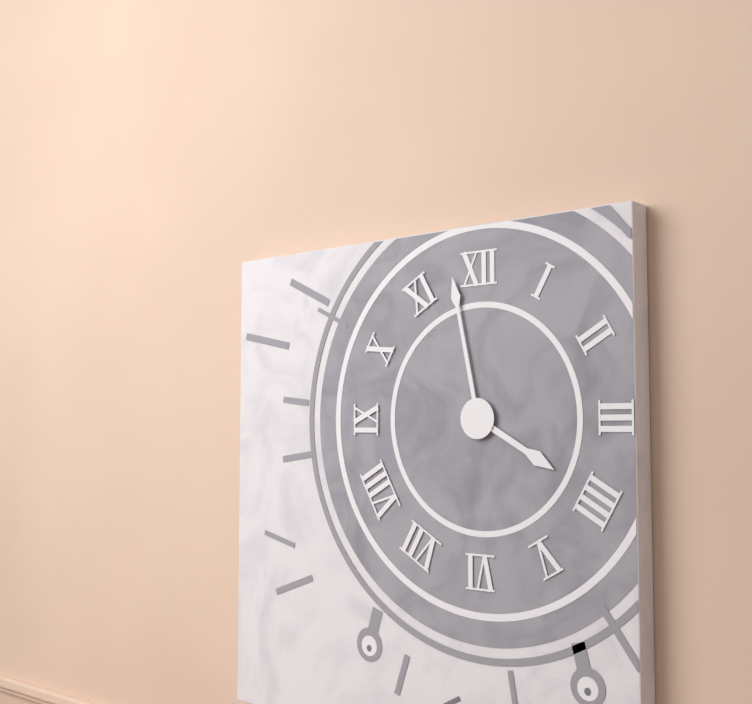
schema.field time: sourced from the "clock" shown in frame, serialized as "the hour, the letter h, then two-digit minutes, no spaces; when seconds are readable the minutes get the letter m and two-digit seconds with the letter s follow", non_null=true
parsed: 3h58
